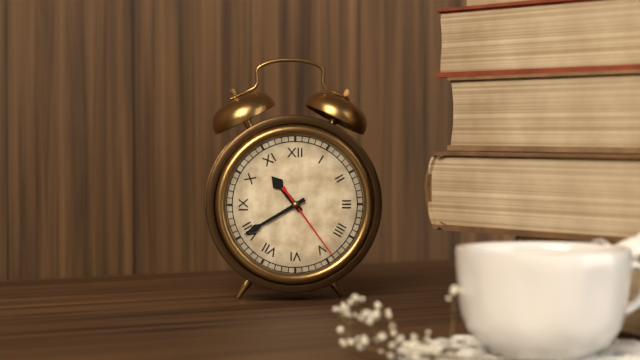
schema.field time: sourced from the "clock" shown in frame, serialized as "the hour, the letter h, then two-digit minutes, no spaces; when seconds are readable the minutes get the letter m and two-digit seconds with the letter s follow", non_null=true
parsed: 10h40m24s
